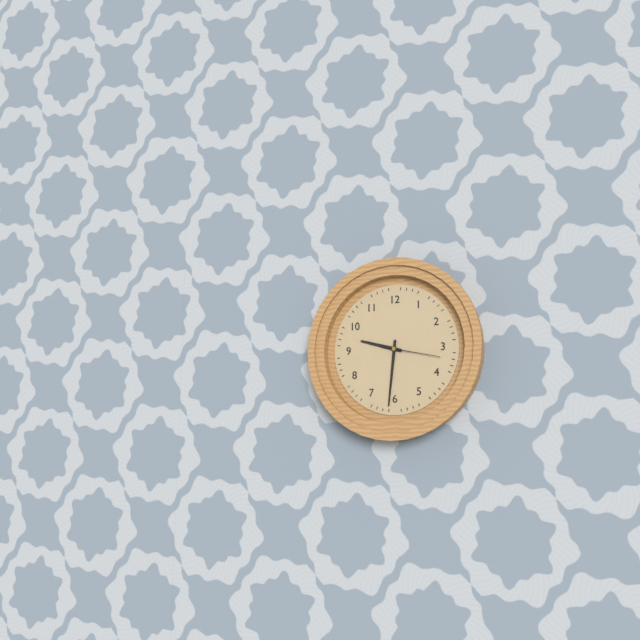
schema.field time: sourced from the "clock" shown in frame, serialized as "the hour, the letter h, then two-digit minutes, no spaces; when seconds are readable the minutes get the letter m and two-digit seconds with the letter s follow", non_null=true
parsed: 9h31m17s
